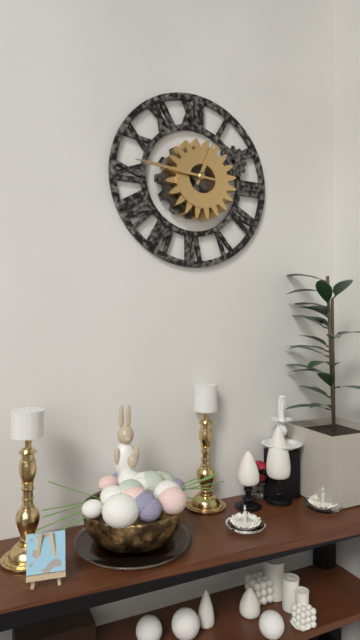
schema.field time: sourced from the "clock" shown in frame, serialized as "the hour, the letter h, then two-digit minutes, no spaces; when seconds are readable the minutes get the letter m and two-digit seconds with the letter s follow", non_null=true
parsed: 12h46
